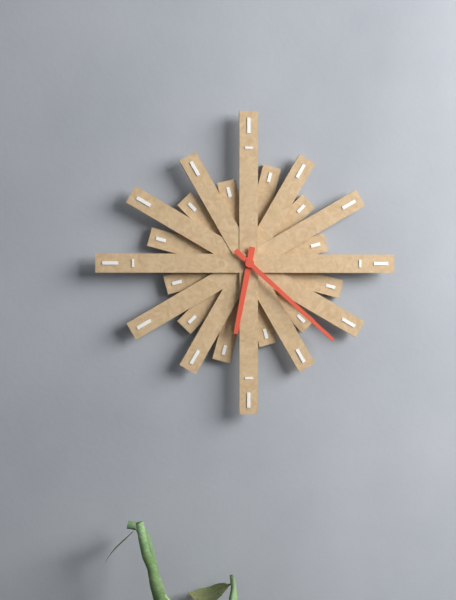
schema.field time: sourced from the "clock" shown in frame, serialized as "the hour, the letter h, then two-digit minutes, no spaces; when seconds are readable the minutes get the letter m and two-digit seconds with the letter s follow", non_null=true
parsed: 6h22
